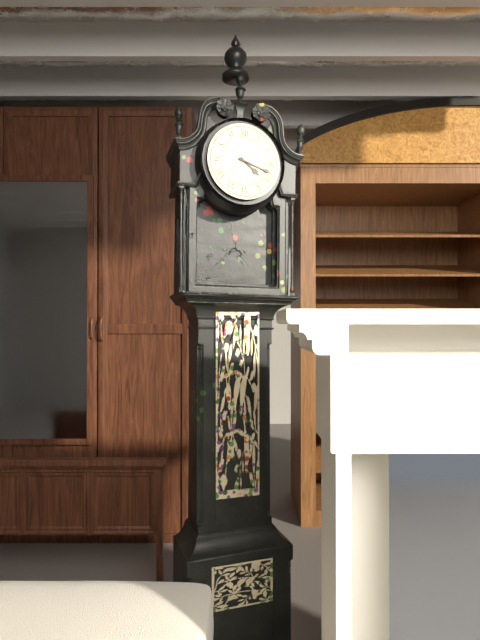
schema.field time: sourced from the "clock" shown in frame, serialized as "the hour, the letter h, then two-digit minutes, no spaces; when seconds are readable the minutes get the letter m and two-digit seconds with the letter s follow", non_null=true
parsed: 4h18
